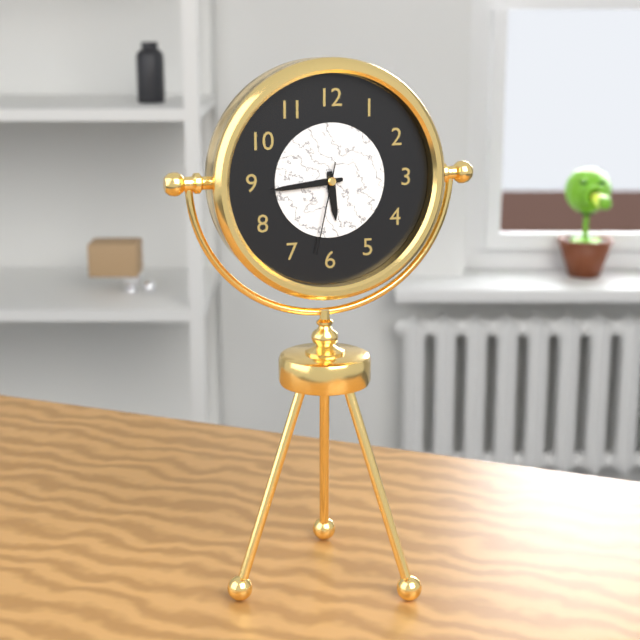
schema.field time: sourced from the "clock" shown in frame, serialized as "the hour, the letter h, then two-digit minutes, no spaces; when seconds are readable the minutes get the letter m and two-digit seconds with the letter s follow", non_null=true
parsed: 5h44m32s
